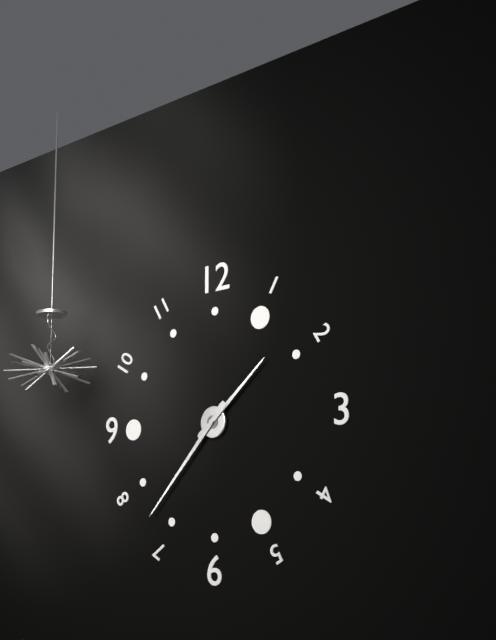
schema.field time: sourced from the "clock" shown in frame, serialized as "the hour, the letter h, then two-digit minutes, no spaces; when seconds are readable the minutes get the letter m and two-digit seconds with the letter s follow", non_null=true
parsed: 1h37
